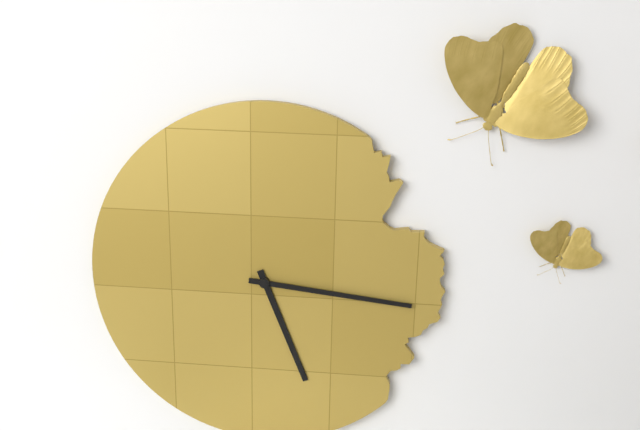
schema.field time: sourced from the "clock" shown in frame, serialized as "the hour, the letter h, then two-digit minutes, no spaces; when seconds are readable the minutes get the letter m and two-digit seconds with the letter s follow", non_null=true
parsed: 5h16
